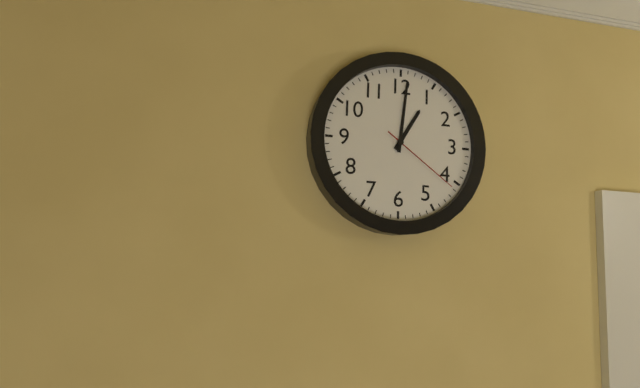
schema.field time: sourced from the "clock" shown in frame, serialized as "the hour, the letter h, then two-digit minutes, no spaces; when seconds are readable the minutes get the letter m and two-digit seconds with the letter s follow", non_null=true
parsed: 1h01m21s
